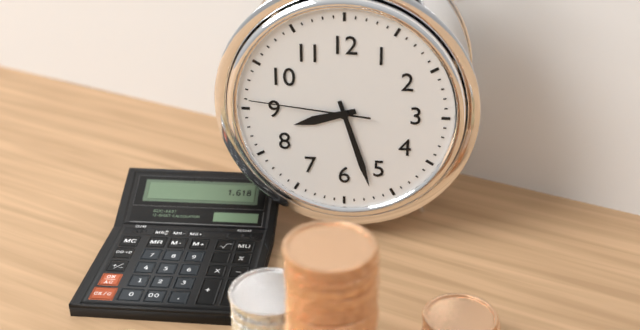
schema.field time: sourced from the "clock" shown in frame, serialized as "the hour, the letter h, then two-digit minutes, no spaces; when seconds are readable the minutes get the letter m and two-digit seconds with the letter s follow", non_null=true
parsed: 8h27m46s
